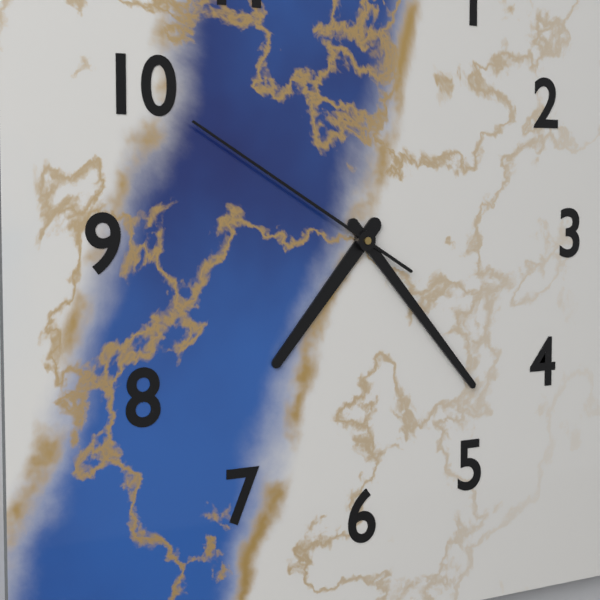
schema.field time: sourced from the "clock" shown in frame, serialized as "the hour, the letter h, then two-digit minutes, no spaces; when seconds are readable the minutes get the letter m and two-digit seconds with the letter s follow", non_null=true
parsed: 7h23m50s
